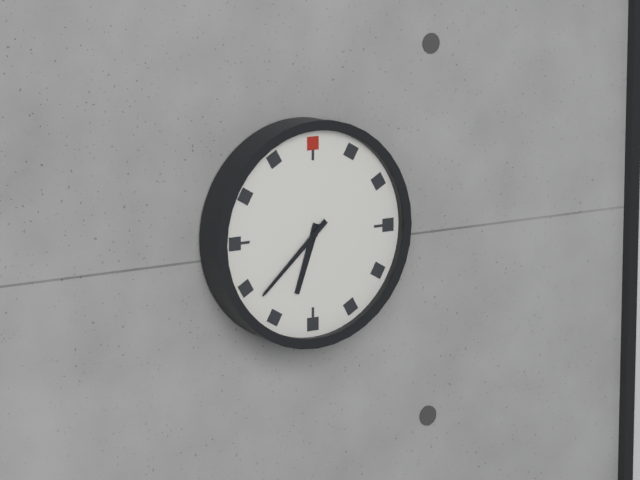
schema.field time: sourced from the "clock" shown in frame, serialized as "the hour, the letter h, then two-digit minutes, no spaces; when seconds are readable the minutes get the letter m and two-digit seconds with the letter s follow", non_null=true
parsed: 6h38
